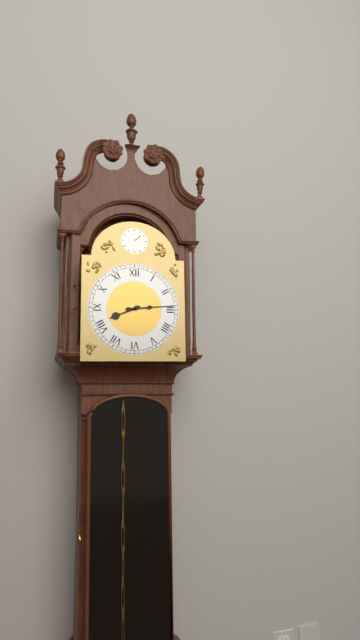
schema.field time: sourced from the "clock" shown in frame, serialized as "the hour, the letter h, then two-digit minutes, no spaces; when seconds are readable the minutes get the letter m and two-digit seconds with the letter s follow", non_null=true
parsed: 8h14
